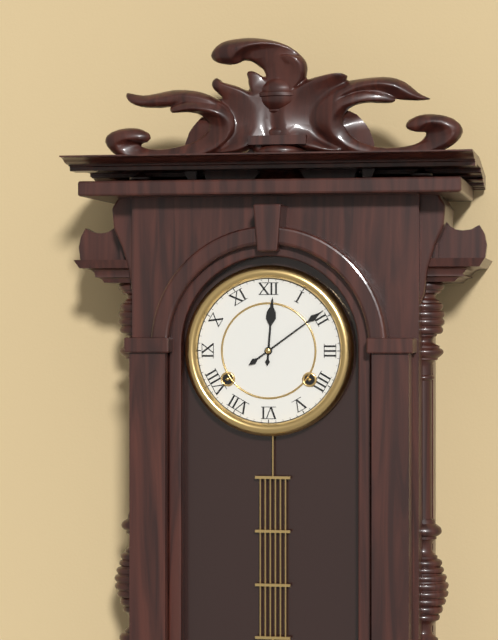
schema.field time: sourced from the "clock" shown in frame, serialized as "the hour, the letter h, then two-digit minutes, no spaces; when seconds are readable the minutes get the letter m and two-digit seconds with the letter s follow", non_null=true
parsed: 12h09
